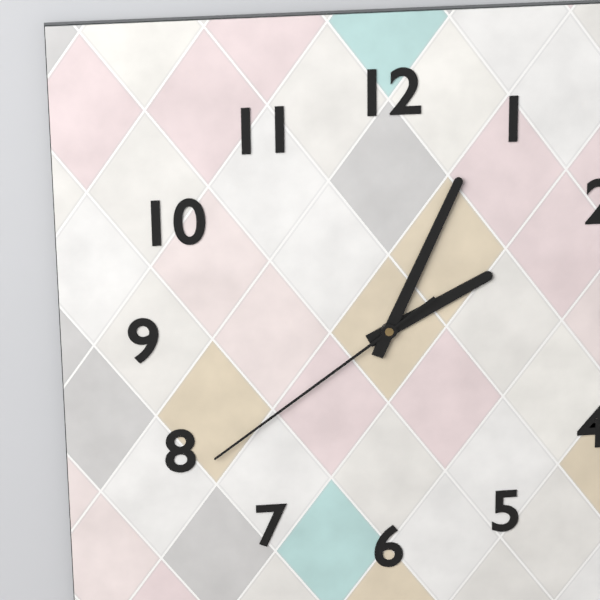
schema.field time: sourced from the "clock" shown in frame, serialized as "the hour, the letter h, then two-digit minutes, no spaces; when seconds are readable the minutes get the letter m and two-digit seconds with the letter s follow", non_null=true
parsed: 2h04m39s
